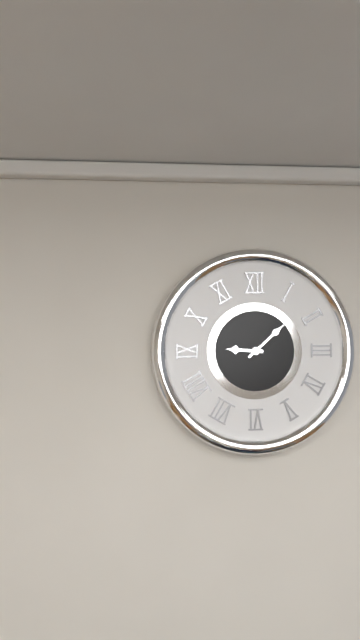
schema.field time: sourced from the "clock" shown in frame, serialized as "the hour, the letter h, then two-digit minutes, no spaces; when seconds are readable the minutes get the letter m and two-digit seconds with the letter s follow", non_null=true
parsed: 9h08
